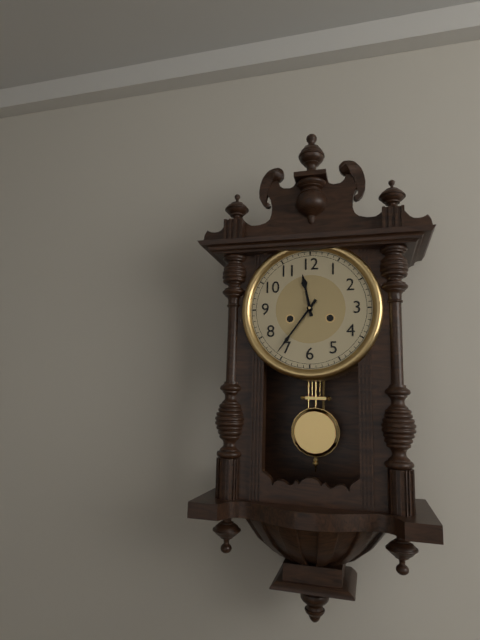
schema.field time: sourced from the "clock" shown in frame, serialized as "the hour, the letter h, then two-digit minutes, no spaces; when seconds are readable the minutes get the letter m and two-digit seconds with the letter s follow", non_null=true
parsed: 11h36
